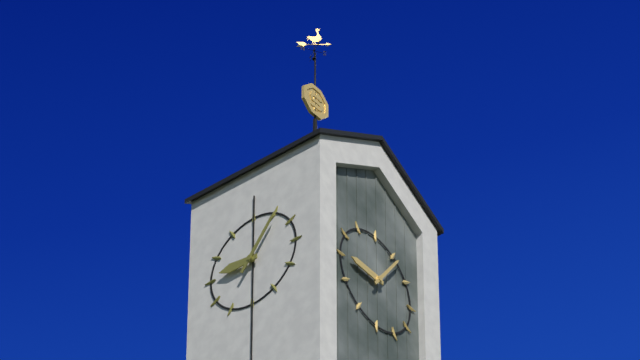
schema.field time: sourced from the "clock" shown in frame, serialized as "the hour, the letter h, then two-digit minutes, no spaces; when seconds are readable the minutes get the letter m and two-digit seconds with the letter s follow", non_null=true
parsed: 9h06
